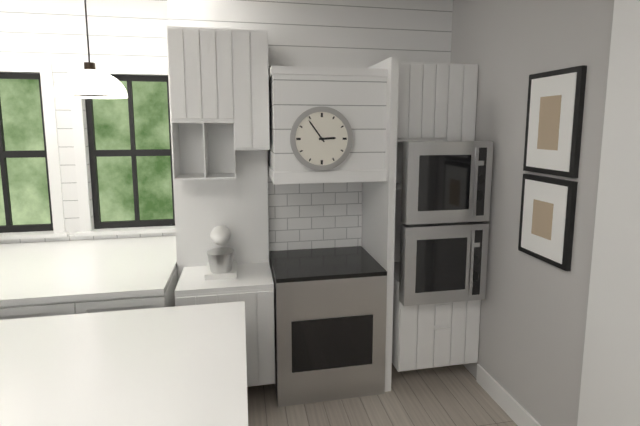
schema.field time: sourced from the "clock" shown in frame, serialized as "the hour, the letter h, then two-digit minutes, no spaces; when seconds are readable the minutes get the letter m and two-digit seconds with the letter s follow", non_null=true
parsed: 2h54
